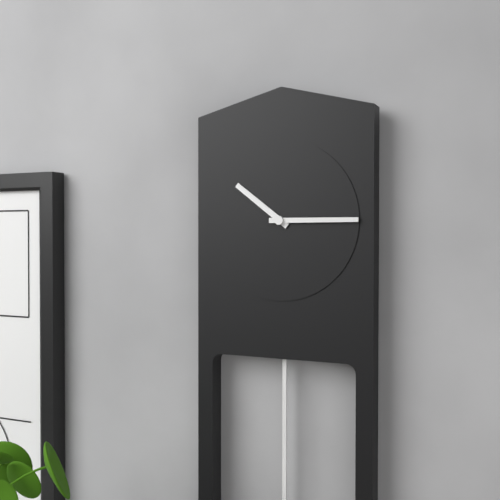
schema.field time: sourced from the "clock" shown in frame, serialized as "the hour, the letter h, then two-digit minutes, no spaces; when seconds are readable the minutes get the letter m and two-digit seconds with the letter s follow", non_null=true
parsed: 10h15
